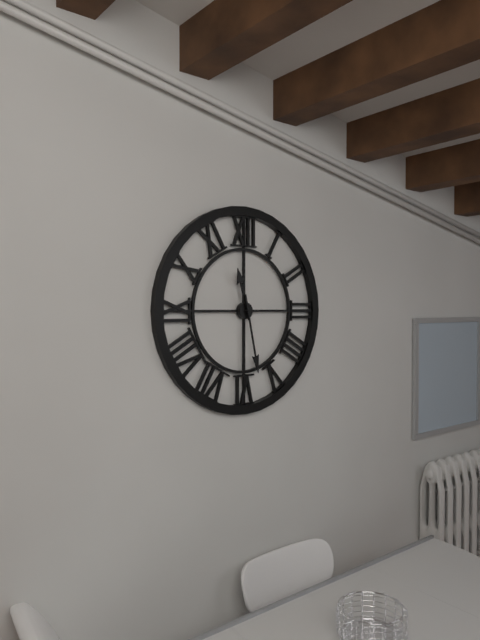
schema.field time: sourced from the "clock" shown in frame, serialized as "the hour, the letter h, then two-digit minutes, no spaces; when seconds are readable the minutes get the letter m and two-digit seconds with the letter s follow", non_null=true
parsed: 11h28
